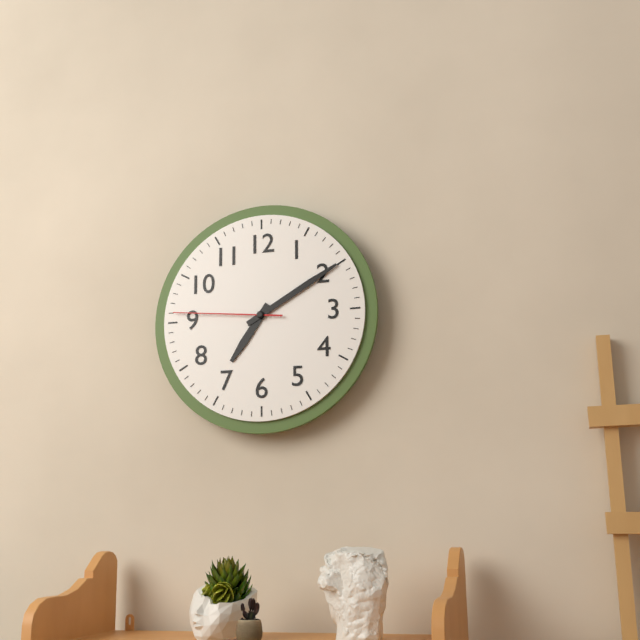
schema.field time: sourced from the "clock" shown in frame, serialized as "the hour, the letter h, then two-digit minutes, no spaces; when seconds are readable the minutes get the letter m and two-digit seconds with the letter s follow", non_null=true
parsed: 7h10m46s
